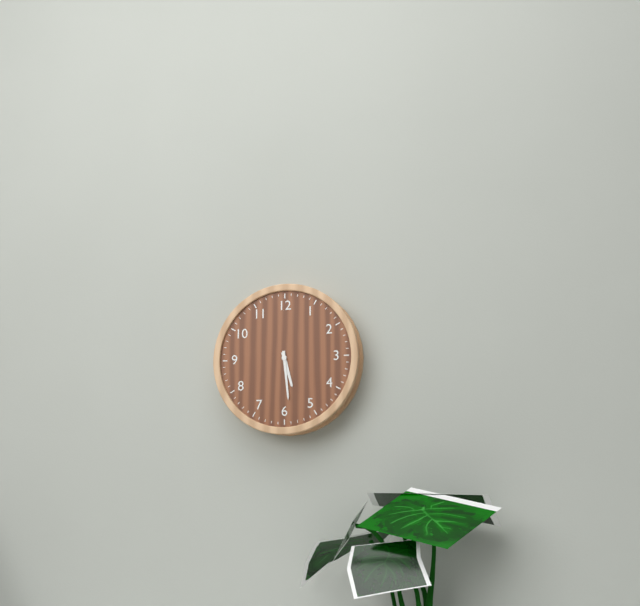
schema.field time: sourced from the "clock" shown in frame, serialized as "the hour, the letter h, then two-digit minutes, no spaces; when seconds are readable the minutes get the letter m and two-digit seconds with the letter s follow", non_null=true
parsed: 5h29
